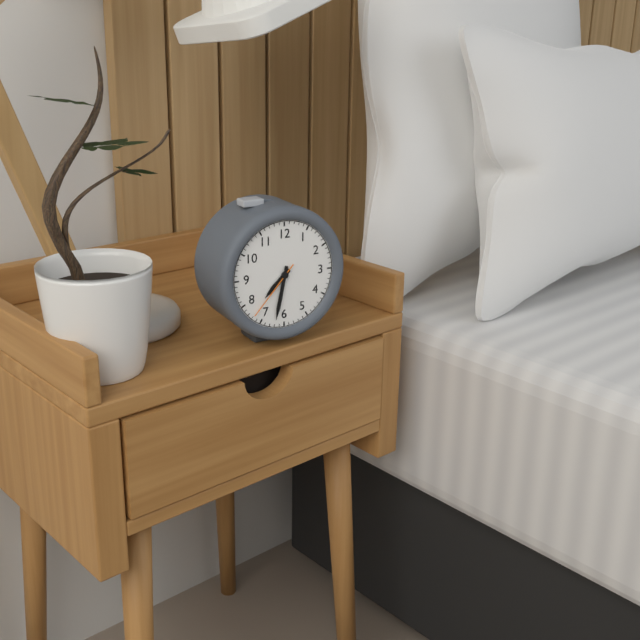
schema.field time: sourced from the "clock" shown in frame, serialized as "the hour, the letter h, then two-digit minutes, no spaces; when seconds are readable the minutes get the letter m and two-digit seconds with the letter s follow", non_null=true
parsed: 7h32m37s
